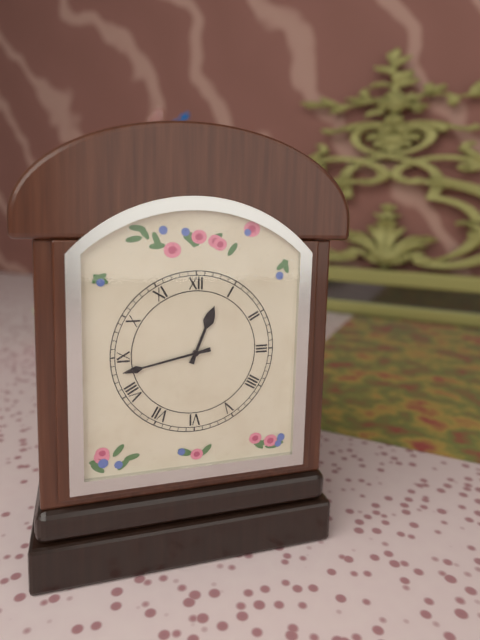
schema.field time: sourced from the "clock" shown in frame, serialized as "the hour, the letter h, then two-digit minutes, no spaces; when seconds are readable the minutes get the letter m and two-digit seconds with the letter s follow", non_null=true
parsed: 12h43
